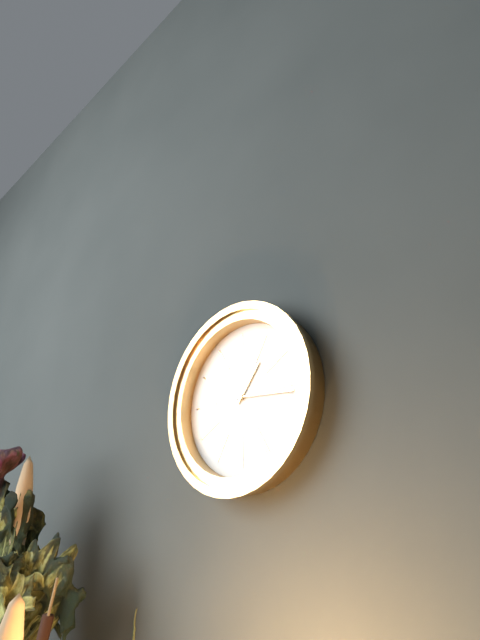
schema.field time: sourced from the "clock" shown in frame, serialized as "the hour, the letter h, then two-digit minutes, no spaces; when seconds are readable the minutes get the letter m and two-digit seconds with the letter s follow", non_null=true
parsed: 1h16
